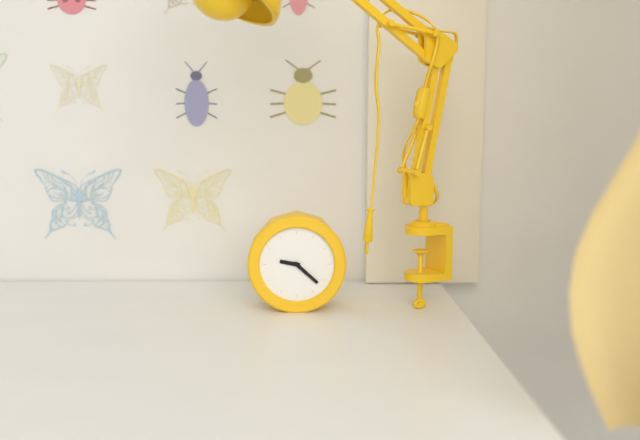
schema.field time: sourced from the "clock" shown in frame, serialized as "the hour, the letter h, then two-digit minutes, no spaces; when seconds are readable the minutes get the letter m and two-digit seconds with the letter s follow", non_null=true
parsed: 9h22
